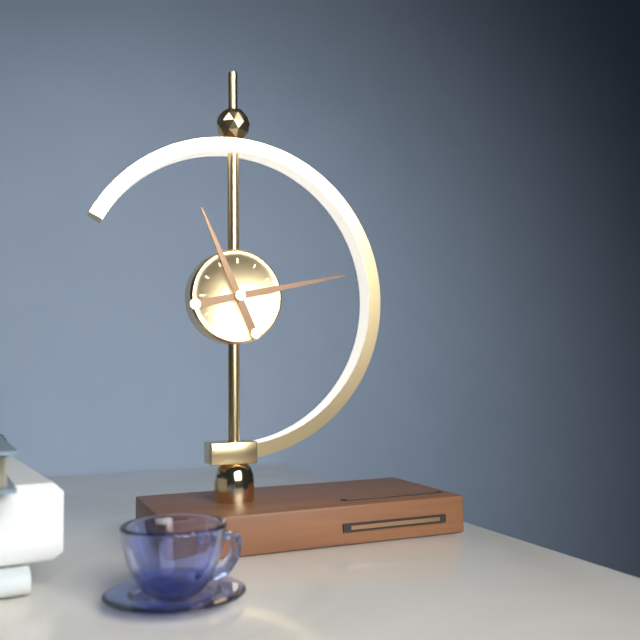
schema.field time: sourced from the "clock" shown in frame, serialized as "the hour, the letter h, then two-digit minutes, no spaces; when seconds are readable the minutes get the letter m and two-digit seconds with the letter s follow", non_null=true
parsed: 11h13
